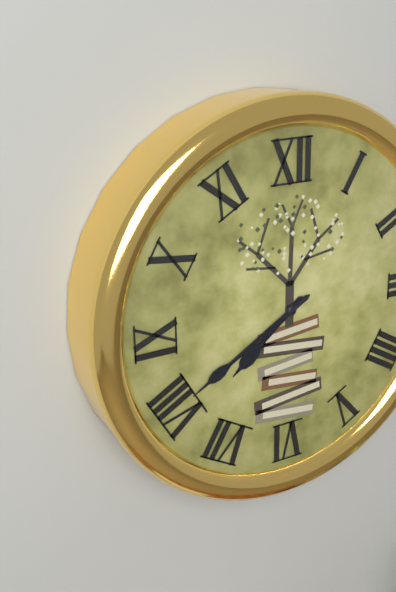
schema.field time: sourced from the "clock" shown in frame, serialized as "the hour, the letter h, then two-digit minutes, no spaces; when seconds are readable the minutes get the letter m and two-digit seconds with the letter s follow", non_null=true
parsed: 7h40
